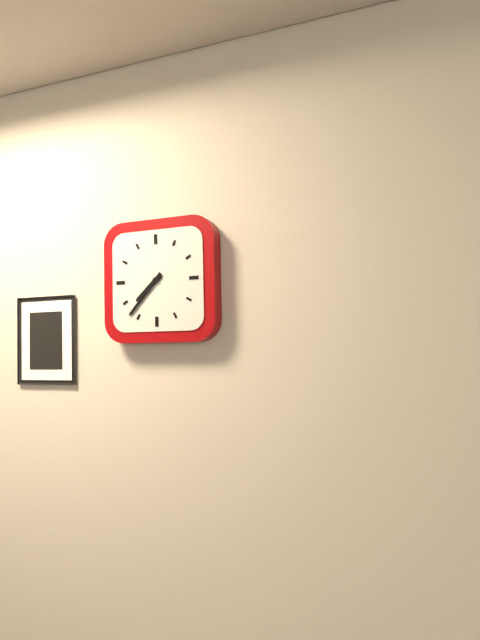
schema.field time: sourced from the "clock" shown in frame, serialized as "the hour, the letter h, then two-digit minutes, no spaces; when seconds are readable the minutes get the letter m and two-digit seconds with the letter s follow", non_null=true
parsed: 7h37
